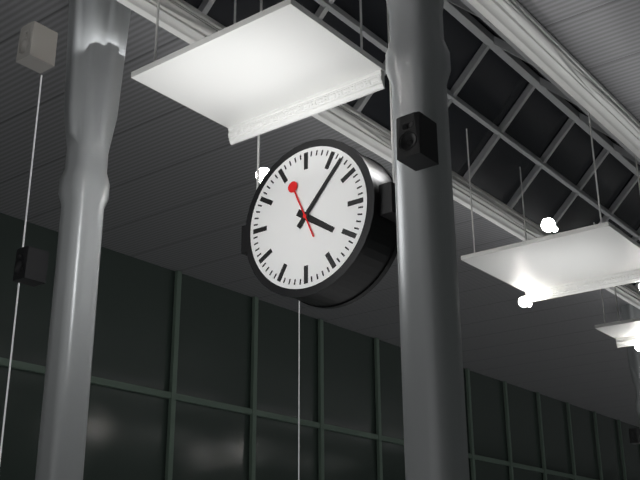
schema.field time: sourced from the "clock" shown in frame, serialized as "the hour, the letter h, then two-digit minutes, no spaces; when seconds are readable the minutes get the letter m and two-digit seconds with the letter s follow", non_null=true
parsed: 4h07
